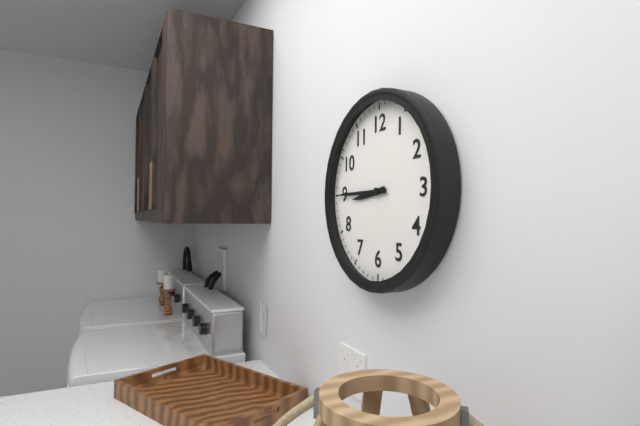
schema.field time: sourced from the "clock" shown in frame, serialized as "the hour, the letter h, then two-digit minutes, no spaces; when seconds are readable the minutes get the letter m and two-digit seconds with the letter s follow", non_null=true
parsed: 8h45
